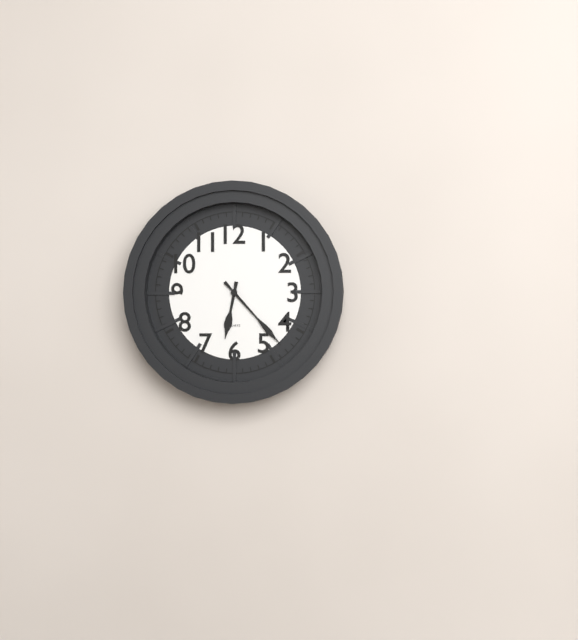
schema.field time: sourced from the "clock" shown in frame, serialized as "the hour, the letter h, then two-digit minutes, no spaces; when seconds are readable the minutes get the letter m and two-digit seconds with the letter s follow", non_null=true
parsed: 6h23
